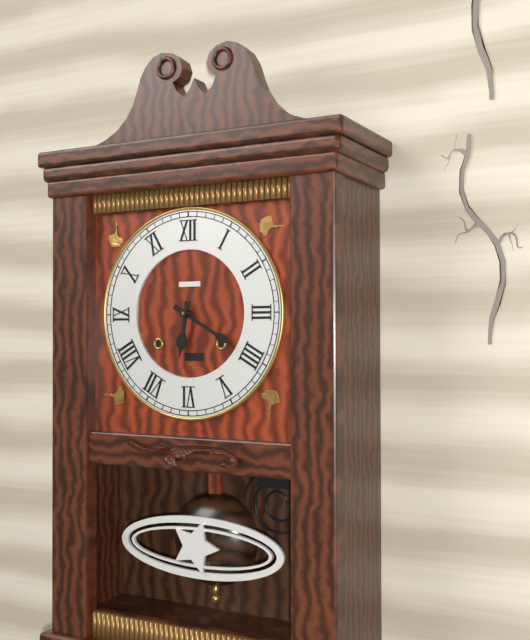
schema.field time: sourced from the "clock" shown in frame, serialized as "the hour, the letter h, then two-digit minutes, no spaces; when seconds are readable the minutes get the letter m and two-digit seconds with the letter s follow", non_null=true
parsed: 6h20
